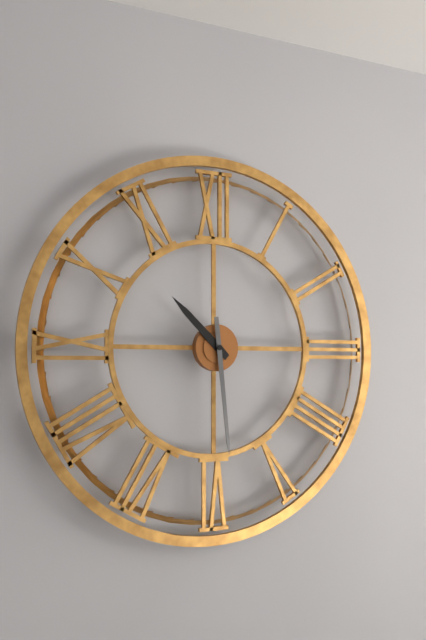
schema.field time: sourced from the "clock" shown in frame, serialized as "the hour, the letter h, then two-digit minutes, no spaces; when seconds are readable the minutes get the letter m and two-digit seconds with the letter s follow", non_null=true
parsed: 10h29
